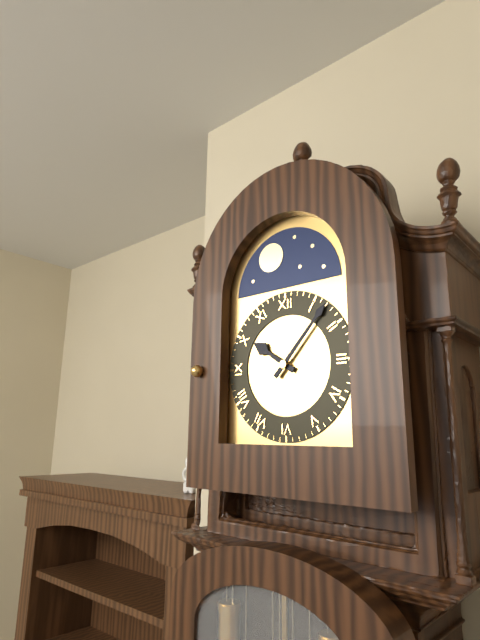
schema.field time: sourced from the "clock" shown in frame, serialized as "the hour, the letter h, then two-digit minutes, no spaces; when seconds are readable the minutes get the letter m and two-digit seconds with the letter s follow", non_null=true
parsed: 10h07
